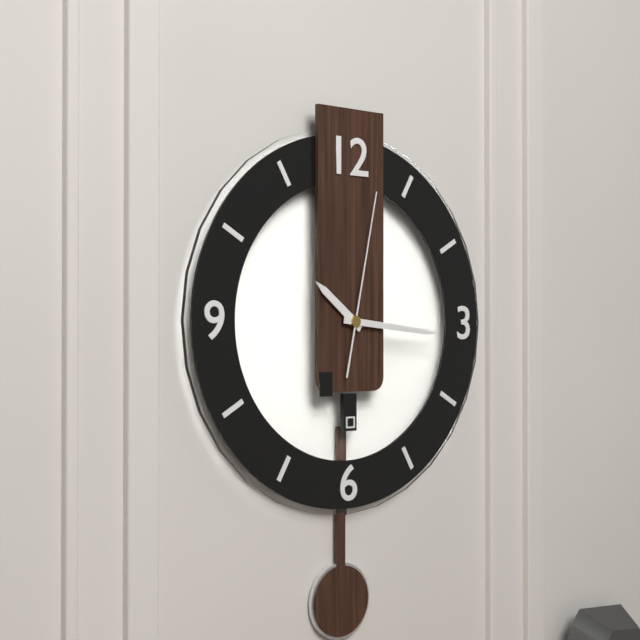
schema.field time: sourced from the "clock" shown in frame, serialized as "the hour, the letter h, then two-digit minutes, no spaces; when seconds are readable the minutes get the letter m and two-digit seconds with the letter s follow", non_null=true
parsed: 10h16m02s
